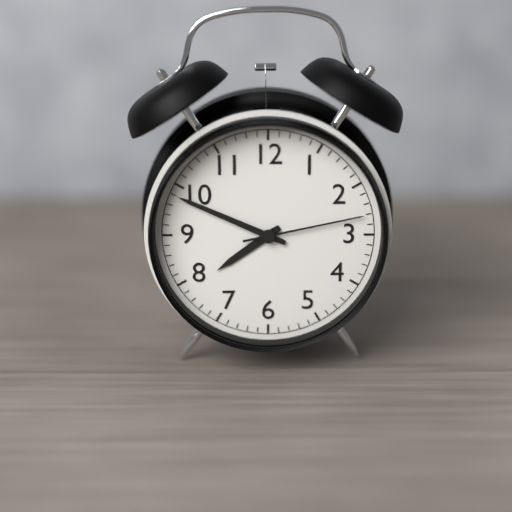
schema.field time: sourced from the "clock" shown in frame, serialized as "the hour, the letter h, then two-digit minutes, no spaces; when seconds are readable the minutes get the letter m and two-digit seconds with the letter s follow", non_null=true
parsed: 7h49m13s
